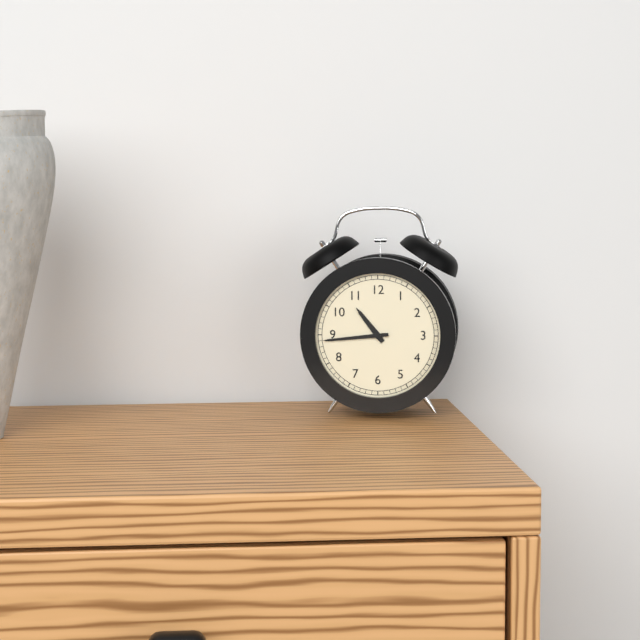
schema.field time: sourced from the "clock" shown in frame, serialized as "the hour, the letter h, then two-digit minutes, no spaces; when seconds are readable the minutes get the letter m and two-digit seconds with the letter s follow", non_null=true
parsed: 10h44
